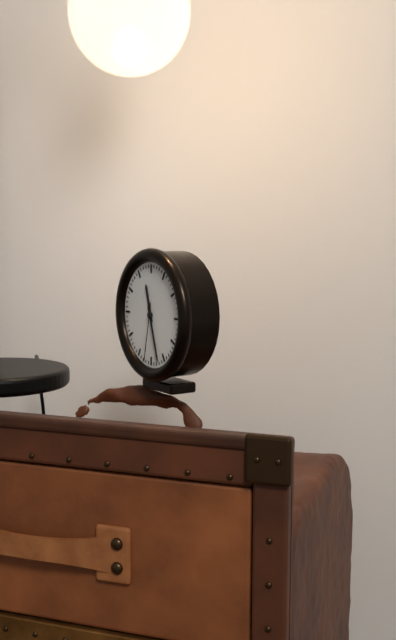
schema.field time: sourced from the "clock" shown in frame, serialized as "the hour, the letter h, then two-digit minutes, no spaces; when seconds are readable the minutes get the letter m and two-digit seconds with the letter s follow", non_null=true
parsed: 11h27m32s
